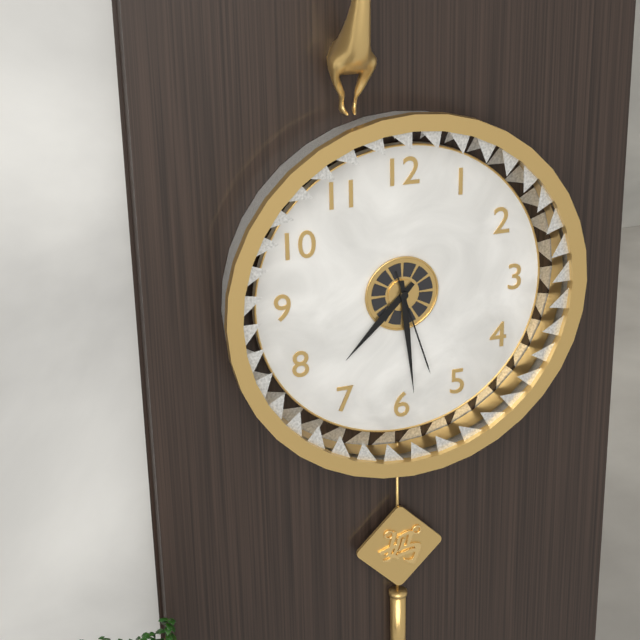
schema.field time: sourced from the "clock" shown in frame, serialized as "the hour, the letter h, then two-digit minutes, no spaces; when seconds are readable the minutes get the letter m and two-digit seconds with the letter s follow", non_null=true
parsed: 7h29m27s
